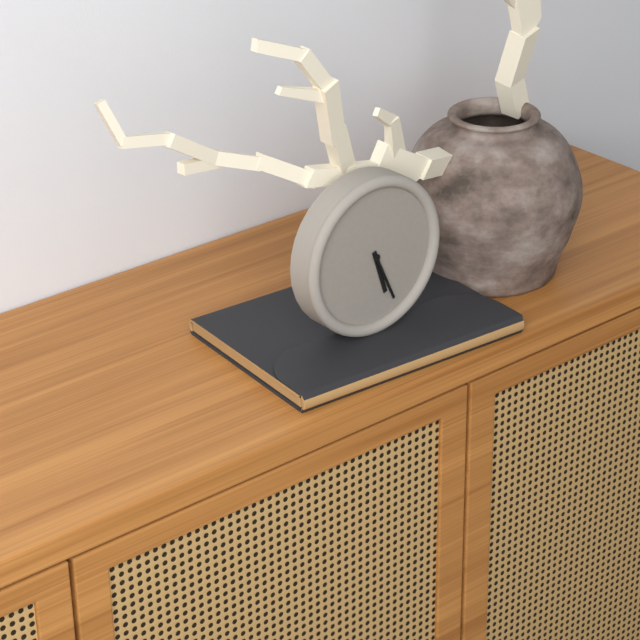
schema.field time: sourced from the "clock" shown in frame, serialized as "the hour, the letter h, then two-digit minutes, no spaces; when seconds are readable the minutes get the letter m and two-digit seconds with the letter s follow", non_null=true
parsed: 5h26
